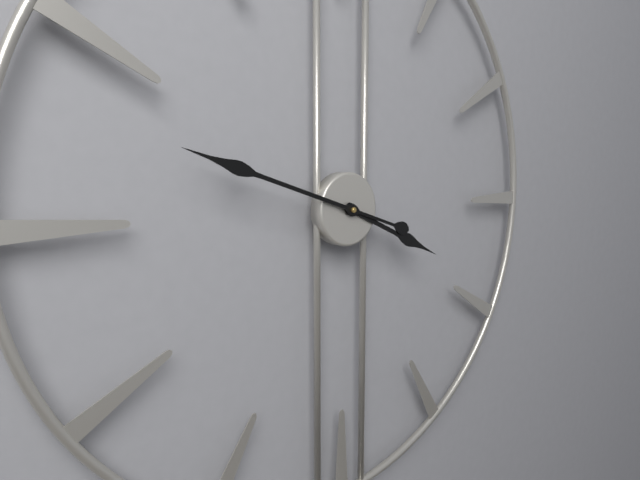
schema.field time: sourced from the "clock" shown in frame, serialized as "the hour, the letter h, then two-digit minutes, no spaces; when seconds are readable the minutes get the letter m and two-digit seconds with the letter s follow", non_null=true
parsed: 3h48
